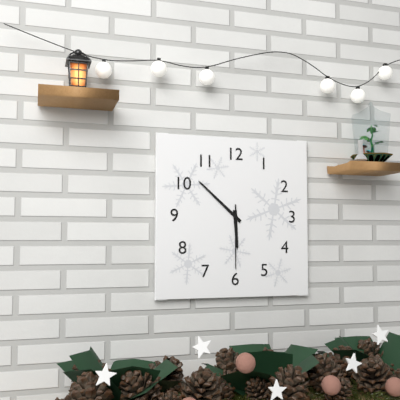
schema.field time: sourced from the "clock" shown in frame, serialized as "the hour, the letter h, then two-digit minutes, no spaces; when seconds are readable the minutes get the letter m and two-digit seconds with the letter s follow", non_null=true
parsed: 5h52m30s
